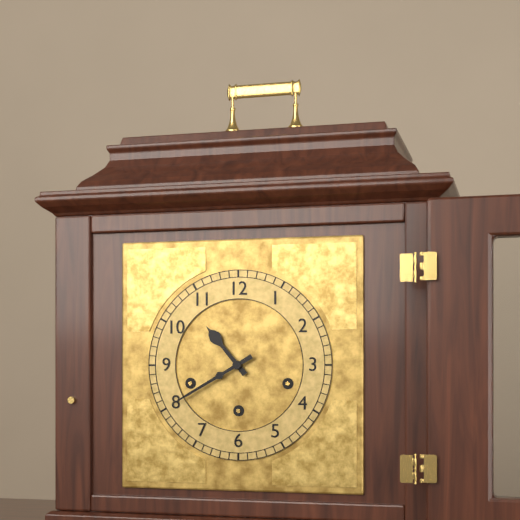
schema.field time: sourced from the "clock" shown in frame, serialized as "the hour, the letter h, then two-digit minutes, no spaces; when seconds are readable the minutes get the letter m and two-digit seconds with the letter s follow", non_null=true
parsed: 10h40
